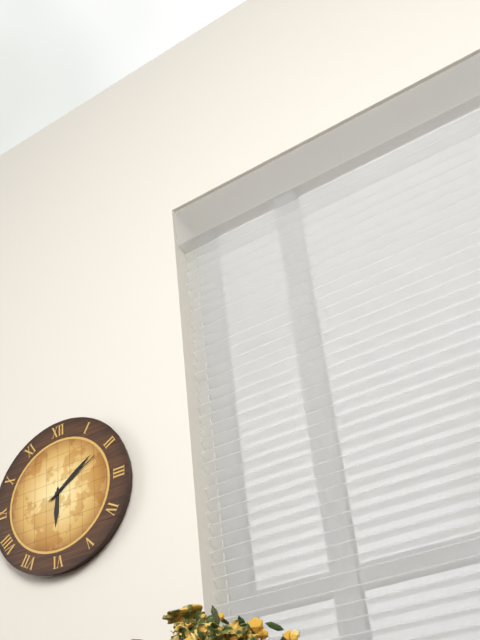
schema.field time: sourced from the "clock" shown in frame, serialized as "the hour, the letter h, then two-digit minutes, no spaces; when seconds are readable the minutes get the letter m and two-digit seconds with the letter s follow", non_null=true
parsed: 6h09m10s
